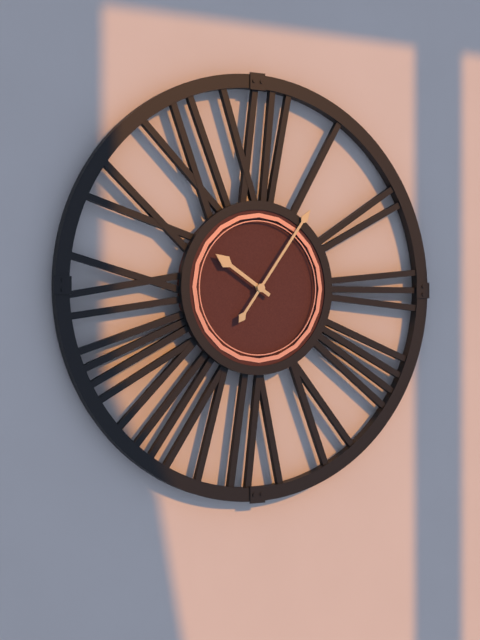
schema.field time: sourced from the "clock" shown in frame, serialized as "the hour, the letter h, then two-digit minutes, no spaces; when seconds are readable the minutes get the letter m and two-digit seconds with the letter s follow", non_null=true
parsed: 10h06
